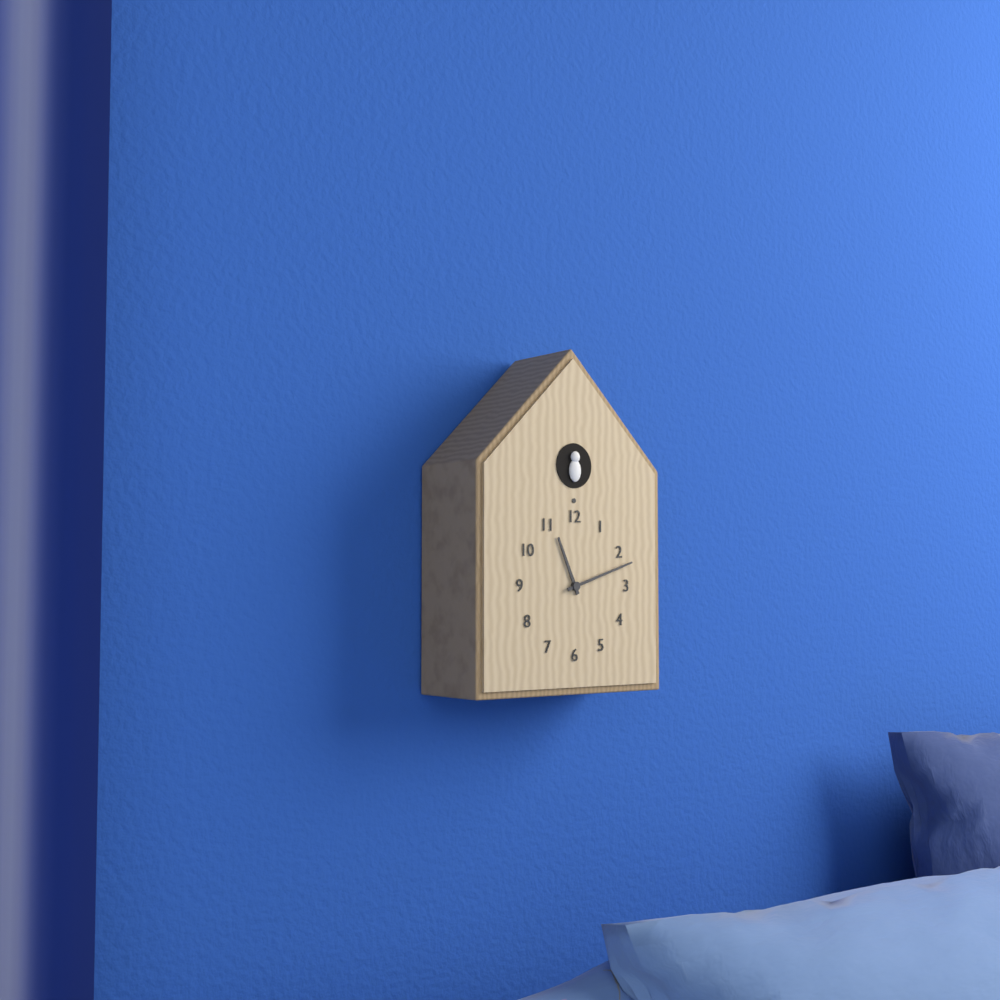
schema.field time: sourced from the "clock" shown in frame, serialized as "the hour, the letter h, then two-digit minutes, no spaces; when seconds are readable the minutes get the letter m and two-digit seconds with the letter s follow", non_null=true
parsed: 11h12
